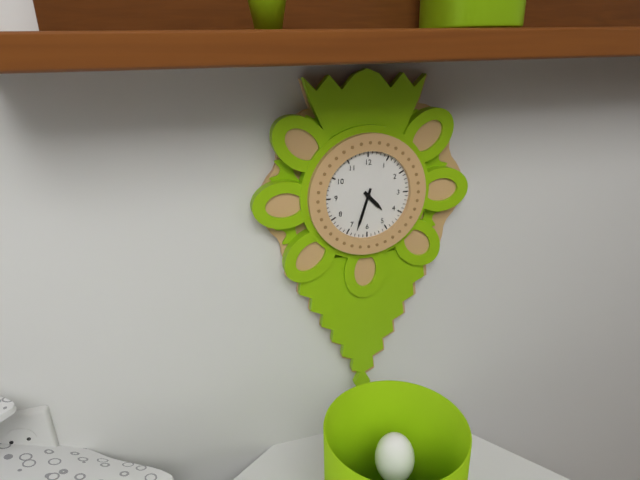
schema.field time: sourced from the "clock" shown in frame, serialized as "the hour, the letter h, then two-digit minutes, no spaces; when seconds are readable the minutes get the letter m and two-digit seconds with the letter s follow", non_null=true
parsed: 4h33
